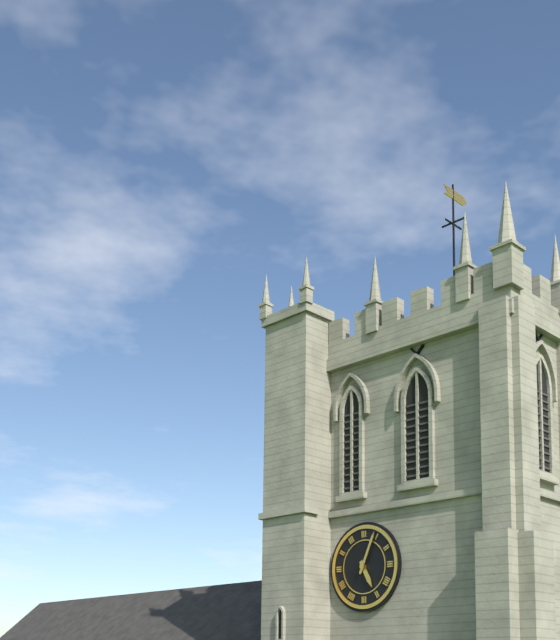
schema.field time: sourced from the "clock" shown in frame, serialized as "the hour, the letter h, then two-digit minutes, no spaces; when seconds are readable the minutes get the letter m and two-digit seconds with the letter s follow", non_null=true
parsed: 5h04
